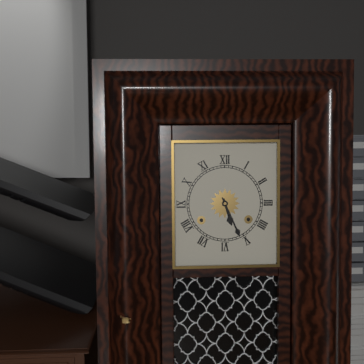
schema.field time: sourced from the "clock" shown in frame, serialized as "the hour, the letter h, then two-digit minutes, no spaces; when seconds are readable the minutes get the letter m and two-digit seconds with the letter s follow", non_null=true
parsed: 5h26
